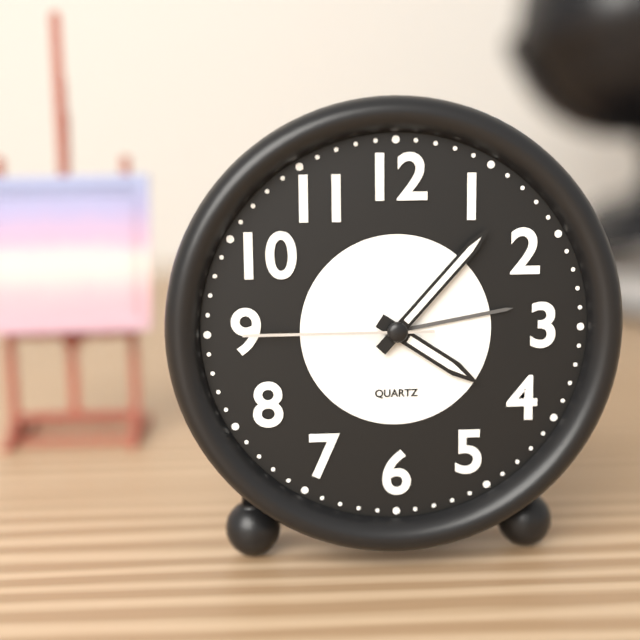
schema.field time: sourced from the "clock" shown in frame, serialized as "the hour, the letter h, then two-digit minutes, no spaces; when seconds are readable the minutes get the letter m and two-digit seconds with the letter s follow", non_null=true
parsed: 4h07m45s
